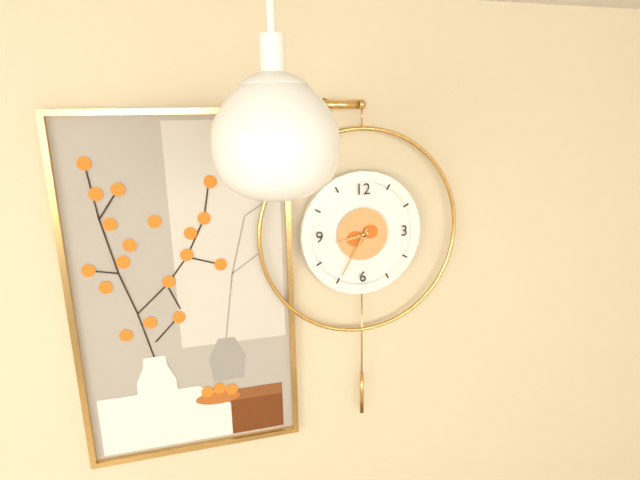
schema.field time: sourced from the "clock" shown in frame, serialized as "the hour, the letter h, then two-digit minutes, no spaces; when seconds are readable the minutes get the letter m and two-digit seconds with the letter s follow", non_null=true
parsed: 8h35
